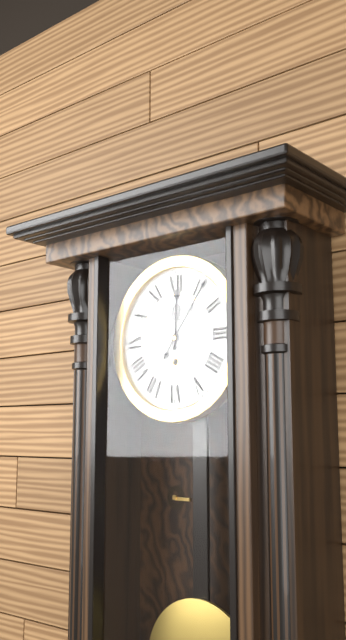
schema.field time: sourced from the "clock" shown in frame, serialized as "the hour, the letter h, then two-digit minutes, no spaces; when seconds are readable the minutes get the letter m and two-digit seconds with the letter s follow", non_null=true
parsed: 12h06
